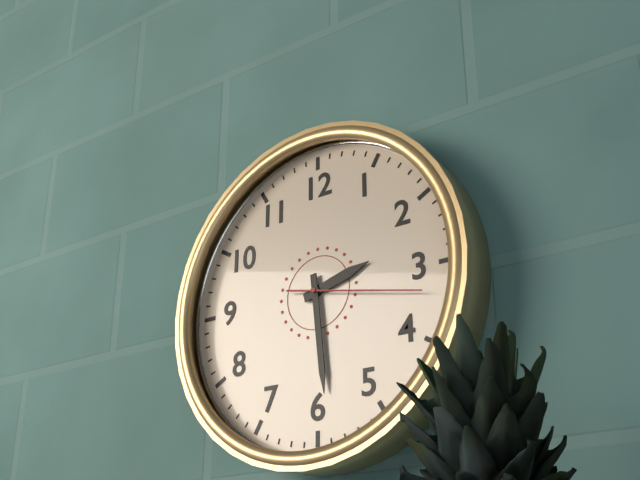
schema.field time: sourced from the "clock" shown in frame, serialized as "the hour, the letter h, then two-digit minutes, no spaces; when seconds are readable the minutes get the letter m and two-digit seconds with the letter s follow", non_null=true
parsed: 2h29m17s
